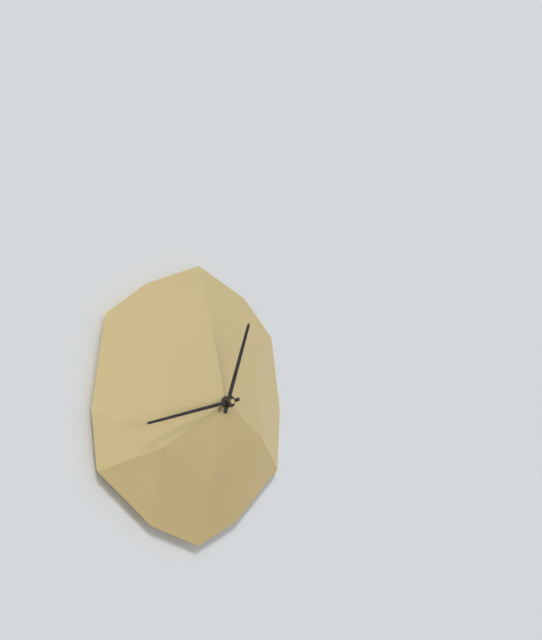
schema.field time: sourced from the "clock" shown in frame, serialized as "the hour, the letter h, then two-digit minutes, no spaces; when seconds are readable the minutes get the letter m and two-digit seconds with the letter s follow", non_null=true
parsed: 12h43
